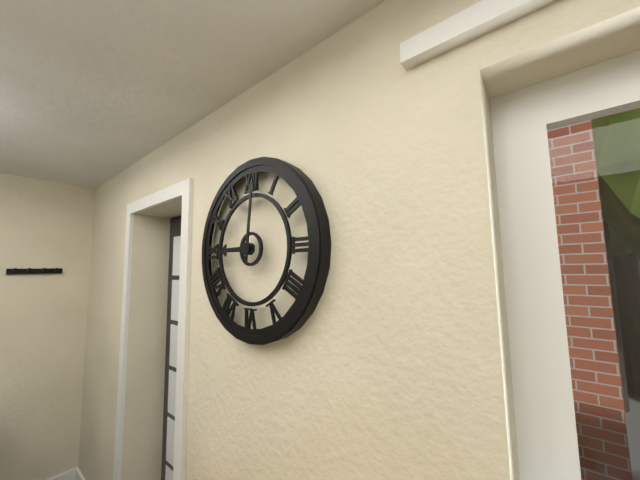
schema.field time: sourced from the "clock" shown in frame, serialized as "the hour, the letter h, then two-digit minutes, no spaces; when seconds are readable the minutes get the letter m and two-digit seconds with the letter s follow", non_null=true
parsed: 9h01
